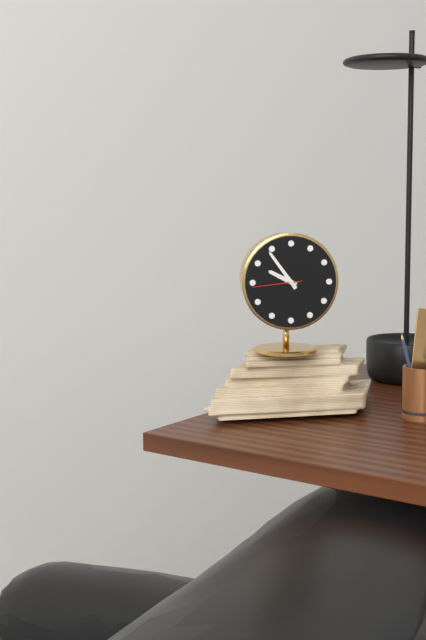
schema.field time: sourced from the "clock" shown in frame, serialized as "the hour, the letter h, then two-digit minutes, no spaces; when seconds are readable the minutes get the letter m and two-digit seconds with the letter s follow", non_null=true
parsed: 9h54
